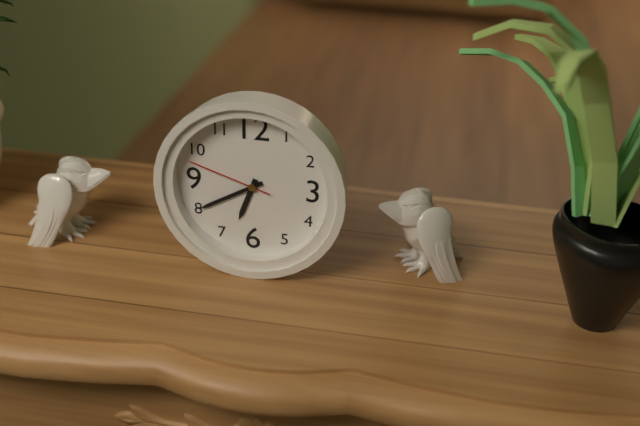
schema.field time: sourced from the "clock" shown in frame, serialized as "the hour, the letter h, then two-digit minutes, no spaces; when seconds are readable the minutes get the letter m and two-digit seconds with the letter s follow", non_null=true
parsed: 6h40m48s
